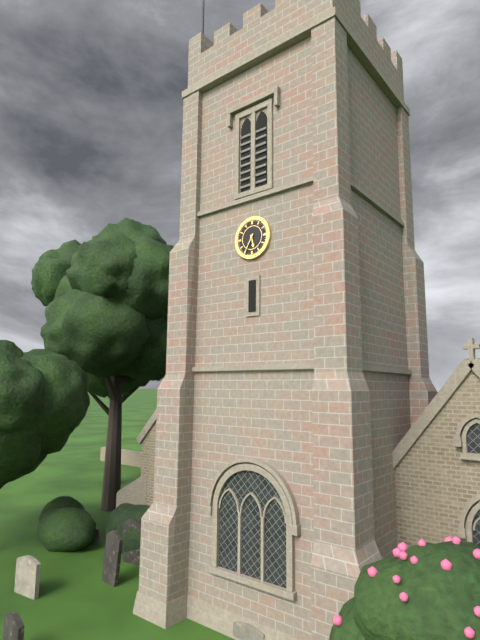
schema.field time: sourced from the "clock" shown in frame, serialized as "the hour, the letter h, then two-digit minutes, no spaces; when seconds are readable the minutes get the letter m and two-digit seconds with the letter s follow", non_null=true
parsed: 5h35
